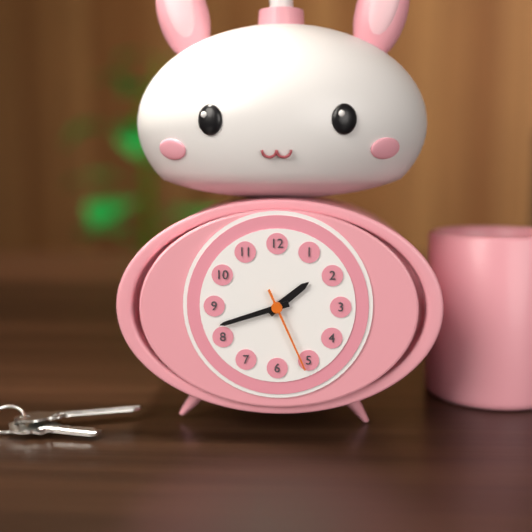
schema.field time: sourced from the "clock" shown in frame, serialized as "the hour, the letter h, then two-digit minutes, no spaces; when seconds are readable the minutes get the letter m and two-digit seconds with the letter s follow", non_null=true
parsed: 1h42m26s
